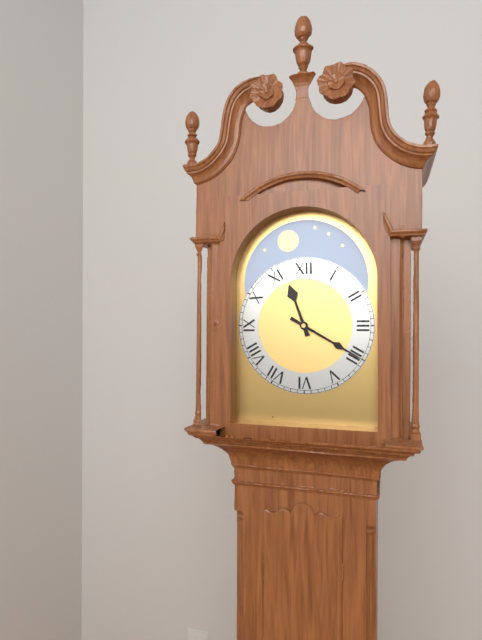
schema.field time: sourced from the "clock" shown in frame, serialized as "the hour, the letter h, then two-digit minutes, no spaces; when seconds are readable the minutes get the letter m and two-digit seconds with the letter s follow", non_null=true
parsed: 11h20
